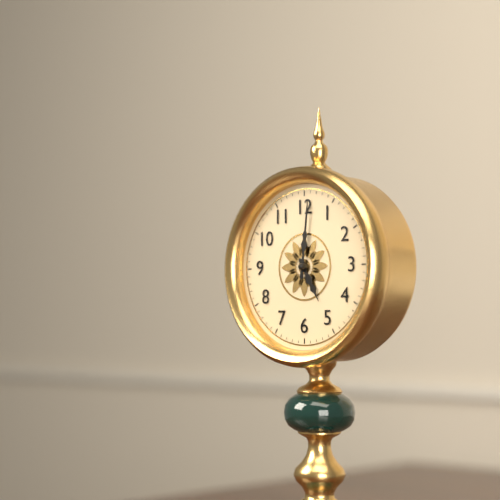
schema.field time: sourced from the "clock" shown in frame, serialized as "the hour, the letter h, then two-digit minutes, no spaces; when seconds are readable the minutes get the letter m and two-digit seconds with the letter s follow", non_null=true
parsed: 5h01
